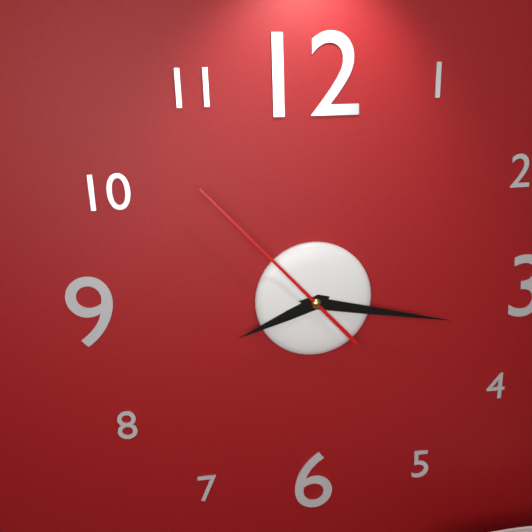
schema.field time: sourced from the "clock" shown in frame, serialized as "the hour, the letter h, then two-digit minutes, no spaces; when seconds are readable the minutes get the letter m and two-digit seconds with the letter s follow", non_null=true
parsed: 8h17m53s
